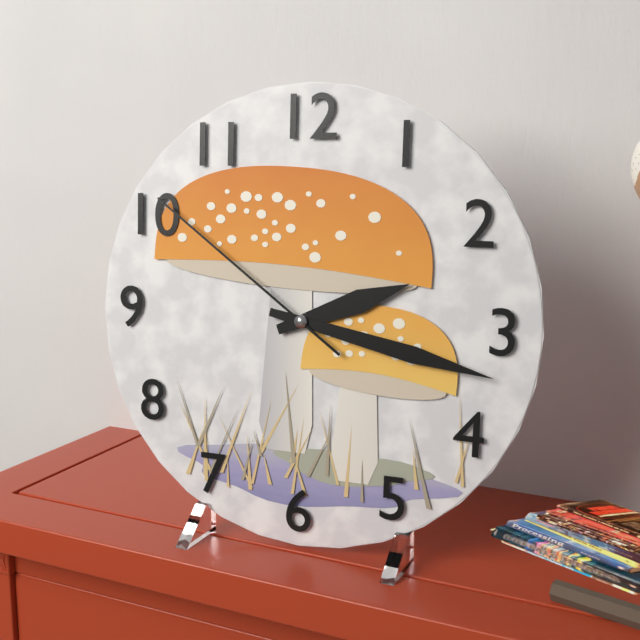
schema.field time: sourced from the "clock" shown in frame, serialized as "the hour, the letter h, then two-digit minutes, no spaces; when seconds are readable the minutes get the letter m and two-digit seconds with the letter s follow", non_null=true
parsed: 2h17m51s
